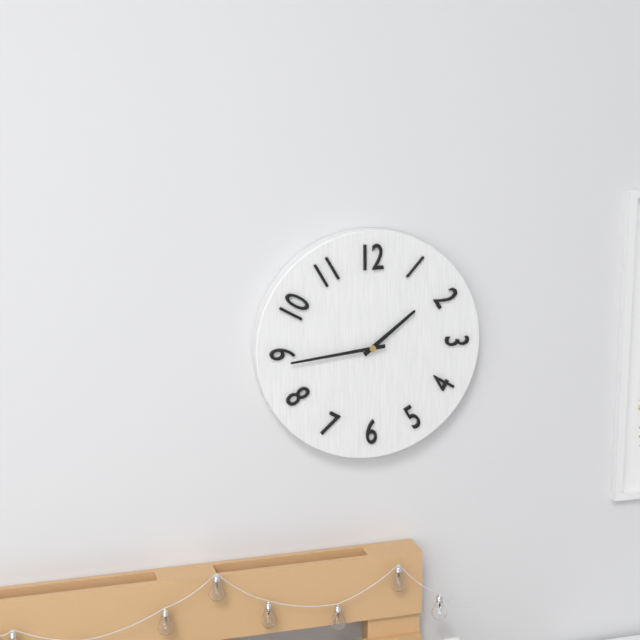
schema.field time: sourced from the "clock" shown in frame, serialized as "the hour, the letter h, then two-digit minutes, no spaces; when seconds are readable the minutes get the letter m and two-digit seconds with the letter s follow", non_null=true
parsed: 1h44
